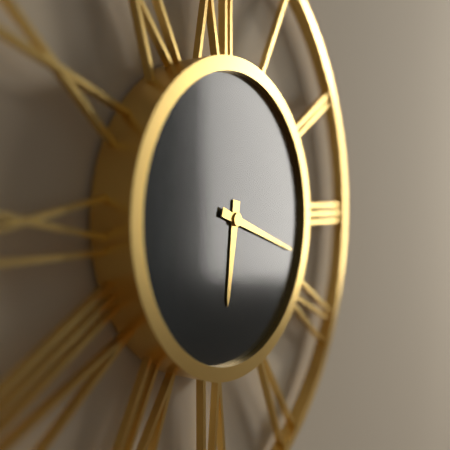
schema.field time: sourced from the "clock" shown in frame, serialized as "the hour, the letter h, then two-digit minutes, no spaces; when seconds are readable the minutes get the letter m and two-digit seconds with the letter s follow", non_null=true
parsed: 6h18
